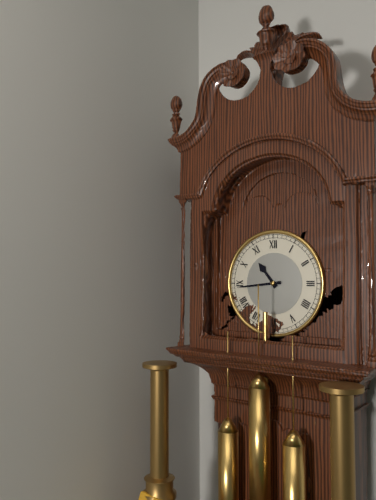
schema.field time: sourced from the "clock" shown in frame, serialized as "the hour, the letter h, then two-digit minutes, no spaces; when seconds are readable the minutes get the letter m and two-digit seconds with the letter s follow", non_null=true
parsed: 10h44
